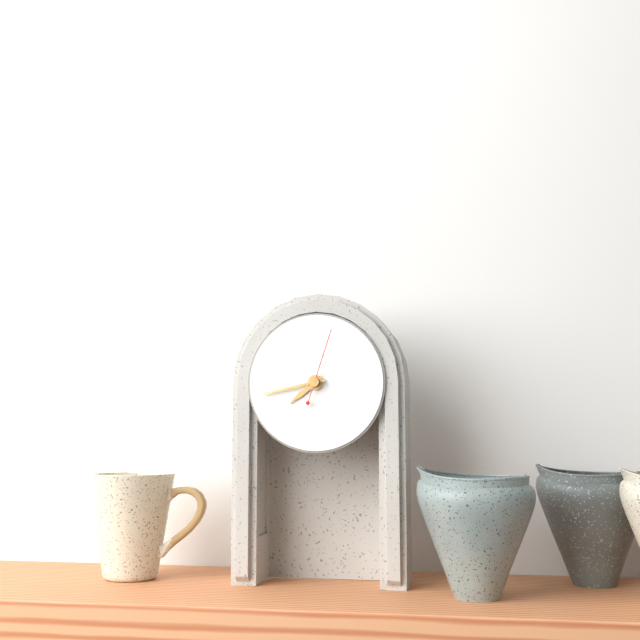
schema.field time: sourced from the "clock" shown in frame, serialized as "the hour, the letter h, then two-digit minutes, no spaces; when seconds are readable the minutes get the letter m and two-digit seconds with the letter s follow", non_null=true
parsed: 7h43m03s
